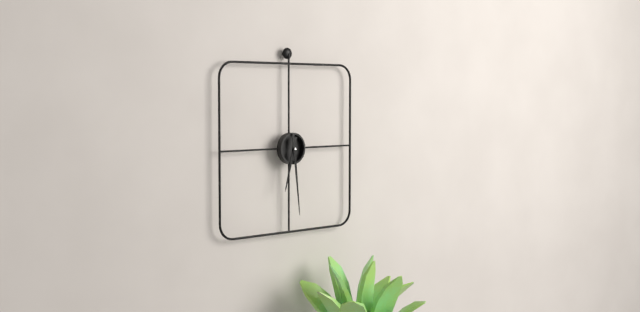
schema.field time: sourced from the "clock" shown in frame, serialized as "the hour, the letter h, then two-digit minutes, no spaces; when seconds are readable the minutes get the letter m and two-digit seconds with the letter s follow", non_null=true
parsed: 6h29
